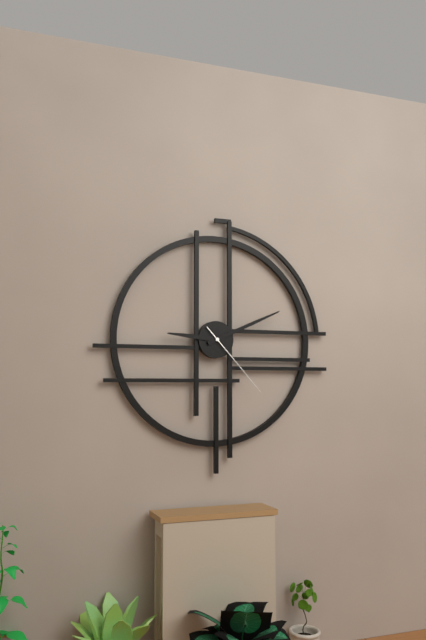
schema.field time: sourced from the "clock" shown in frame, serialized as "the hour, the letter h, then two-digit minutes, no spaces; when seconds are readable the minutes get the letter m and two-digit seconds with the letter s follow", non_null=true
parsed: 9h11m23s
